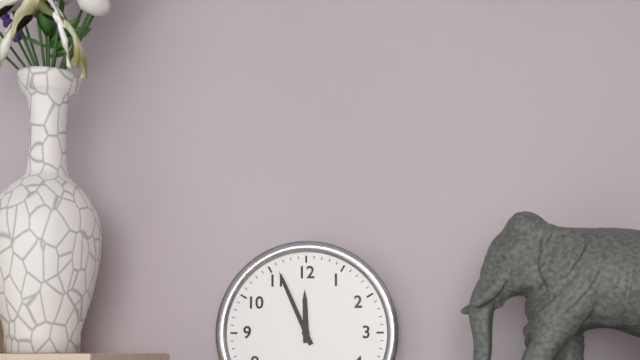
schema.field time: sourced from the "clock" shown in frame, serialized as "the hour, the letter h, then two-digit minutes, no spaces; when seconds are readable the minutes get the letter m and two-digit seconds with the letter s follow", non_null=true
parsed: 11h56
